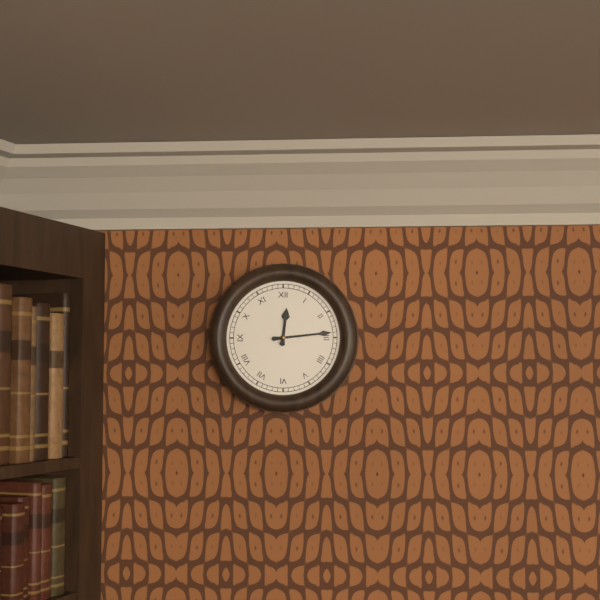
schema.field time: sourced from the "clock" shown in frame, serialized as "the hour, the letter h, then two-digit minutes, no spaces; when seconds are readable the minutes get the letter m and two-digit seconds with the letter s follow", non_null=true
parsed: 12h14
